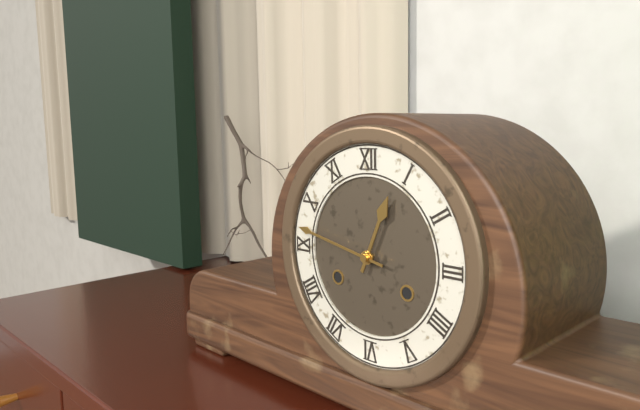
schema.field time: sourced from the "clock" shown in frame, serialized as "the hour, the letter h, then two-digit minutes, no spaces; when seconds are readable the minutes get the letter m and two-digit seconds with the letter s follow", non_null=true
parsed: 12h47
